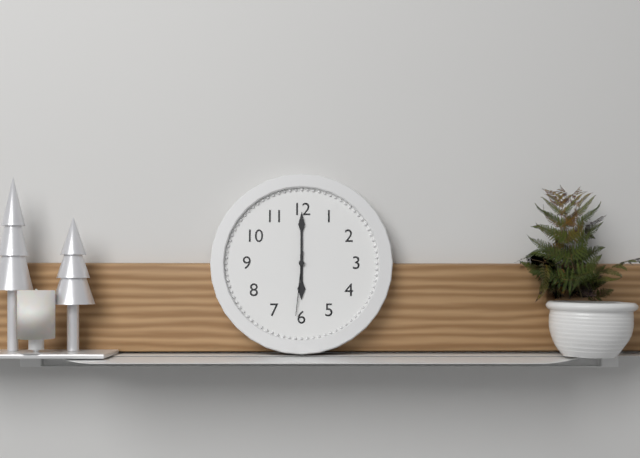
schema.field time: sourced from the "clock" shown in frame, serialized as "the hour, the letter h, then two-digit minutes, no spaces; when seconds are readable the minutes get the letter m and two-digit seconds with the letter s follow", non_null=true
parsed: 6h00m31s
